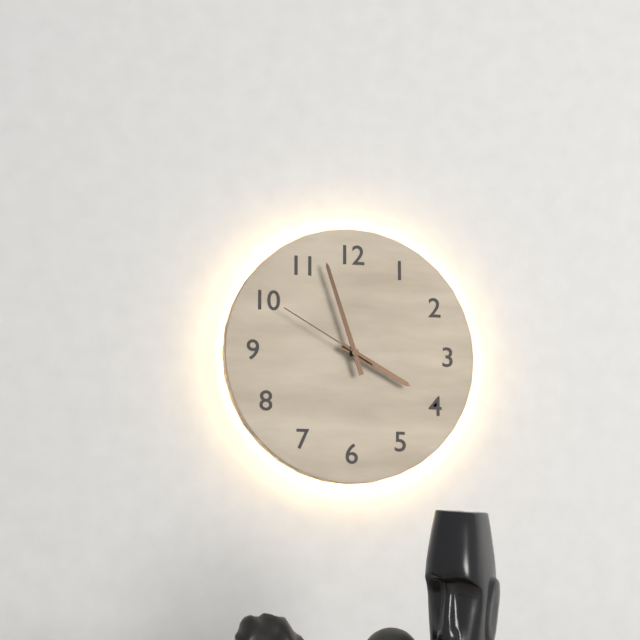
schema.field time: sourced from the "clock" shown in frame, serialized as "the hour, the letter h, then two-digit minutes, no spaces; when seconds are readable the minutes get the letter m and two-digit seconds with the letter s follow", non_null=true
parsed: 3h57m50s
